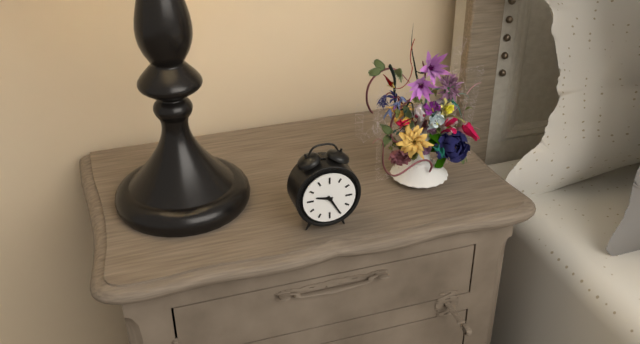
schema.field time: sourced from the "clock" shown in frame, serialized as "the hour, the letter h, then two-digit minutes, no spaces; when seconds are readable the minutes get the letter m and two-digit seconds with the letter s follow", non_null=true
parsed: 9h25
